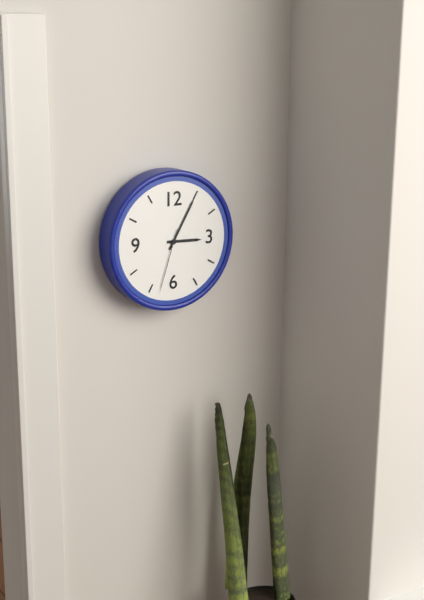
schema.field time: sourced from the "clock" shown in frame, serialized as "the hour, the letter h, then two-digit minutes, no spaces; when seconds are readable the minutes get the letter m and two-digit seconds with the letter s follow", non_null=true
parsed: 3h05m33s
